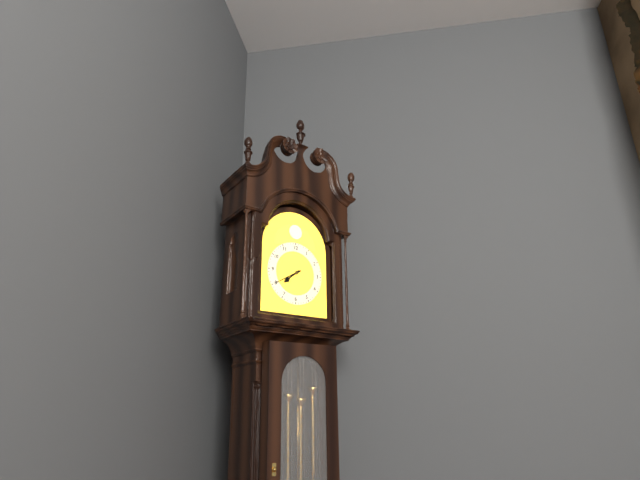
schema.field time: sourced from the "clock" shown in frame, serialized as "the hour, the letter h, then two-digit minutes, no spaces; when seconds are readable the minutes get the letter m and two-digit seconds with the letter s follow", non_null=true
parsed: 7h40
